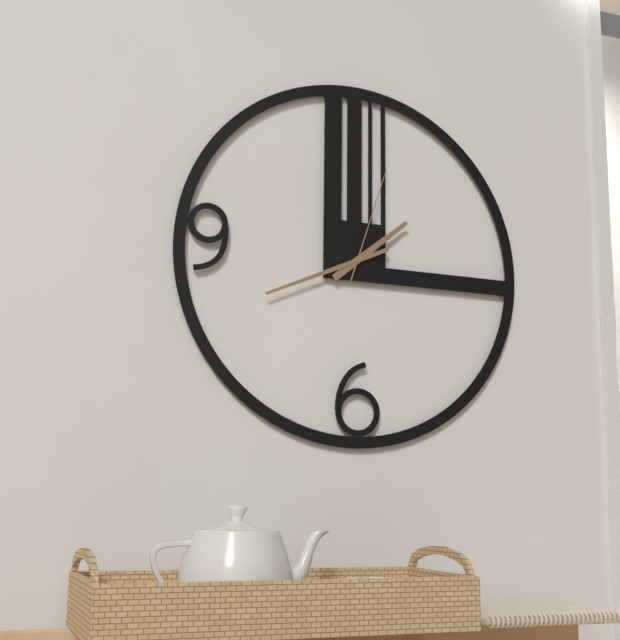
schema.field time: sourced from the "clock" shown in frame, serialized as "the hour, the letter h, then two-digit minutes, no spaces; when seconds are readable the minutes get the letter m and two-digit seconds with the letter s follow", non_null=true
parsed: 1h41m03s
